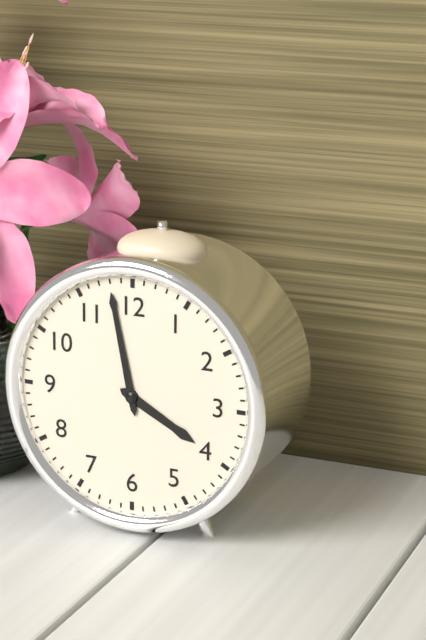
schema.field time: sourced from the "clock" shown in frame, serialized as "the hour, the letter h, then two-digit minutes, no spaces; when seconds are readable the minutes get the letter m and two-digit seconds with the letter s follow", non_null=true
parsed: 3h58
